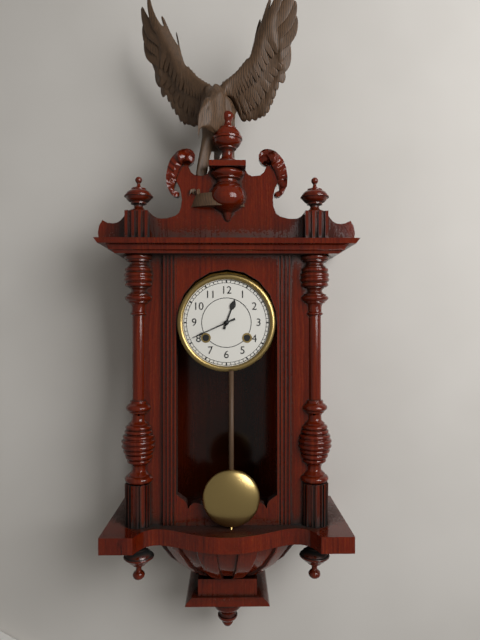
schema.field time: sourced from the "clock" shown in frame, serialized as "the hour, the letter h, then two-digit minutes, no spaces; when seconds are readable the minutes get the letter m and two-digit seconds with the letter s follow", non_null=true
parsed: 12h41
